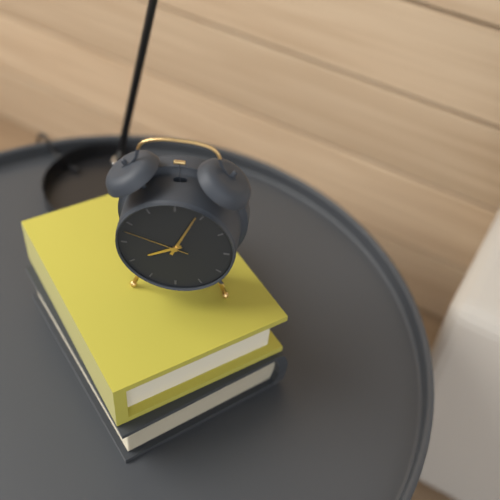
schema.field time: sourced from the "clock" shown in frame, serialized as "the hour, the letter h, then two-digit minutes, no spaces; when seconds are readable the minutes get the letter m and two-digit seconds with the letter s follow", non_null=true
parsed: 8h04m48s
